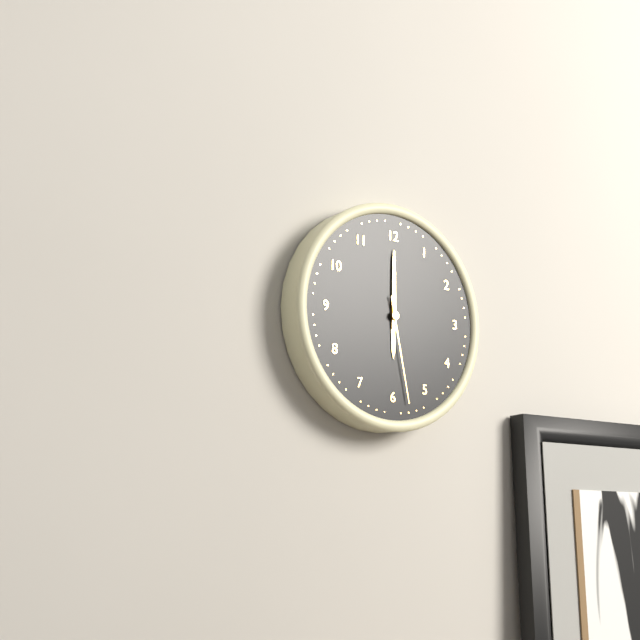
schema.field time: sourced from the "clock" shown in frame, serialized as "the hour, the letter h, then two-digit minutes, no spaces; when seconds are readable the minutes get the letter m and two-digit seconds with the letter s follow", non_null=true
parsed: 6h00m28s
